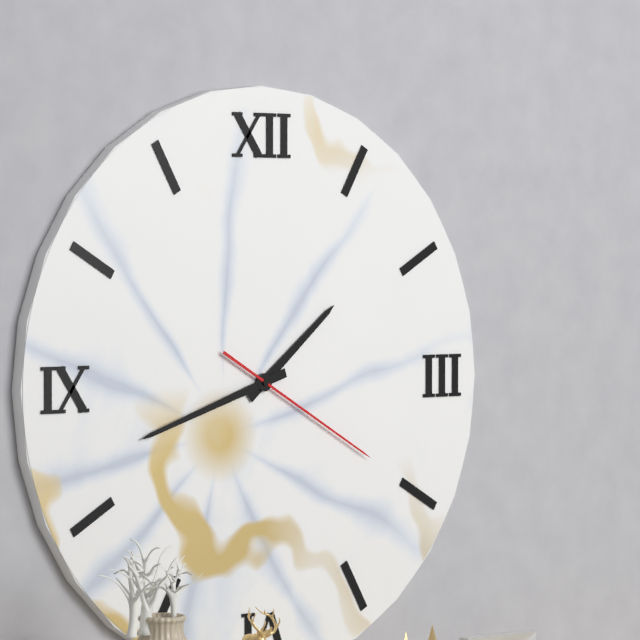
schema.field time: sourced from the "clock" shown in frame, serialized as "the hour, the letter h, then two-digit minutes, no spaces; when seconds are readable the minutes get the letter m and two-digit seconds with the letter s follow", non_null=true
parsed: 1h42m20s
